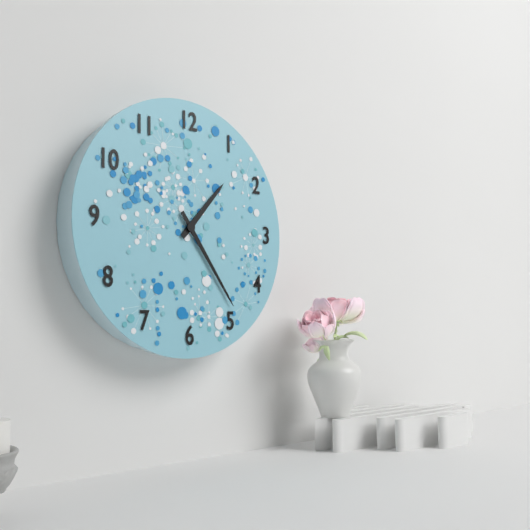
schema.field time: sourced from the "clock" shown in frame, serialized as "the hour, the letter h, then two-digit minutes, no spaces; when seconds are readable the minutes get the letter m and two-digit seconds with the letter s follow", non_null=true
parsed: 1h24
